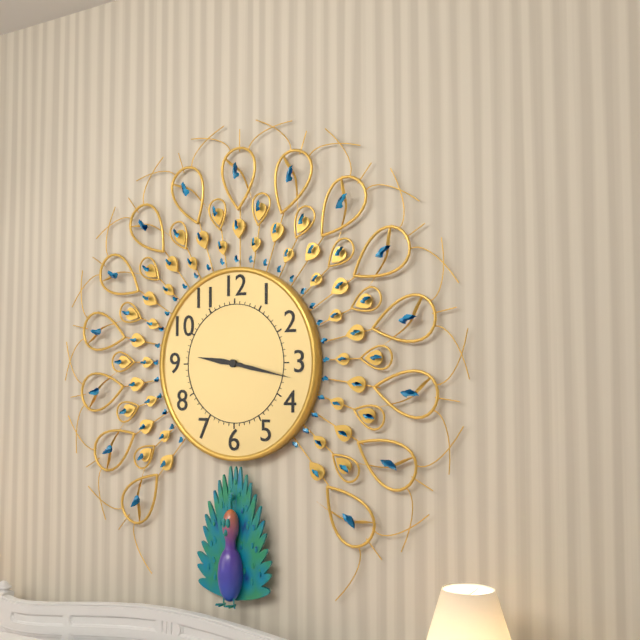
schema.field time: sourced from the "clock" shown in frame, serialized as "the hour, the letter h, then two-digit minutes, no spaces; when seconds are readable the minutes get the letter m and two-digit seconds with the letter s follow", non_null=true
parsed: 9h17
